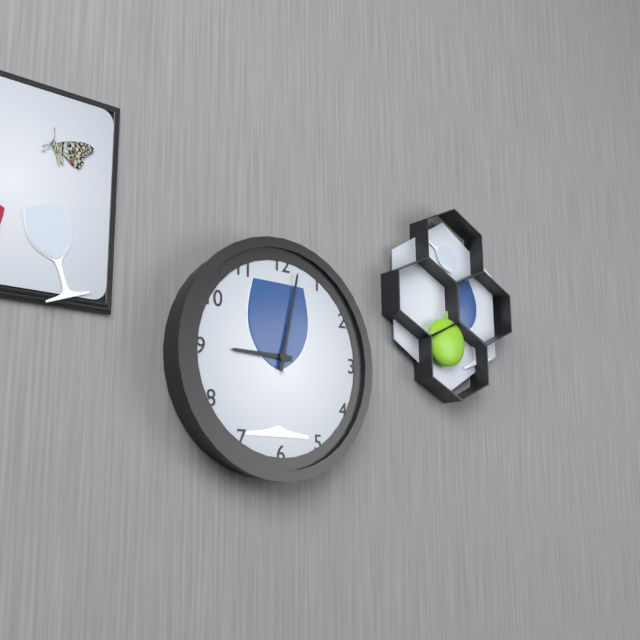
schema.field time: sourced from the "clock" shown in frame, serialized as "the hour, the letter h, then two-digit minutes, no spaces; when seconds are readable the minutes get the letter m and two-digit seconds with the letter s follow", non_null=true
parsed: 9h02
